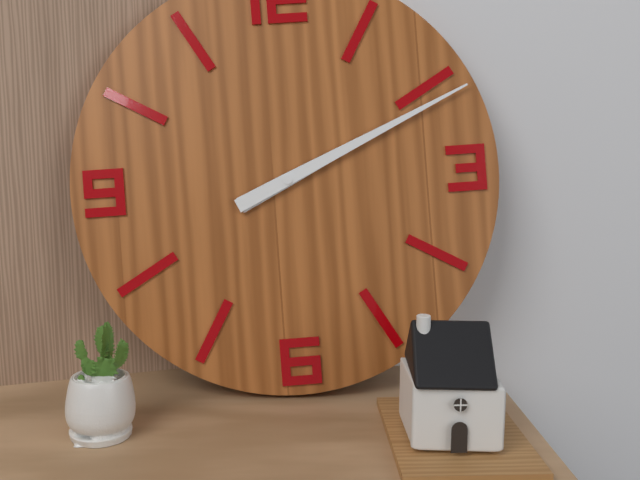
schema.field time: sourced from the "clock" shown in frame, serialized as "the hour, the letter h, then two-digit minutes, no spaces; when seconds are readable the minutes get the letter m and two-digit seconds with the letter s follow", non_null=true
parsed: 2h11
